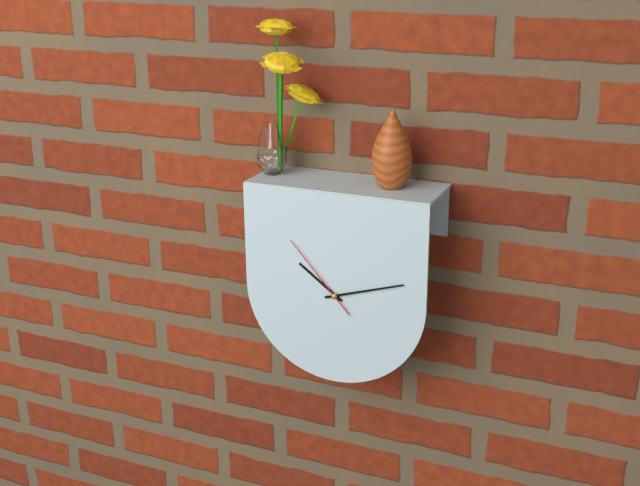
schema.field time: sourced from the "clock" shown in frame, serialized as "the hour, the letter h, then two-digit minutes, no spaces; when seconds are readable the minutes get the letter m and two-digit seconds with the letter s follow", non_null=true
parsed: 10h12m53s
